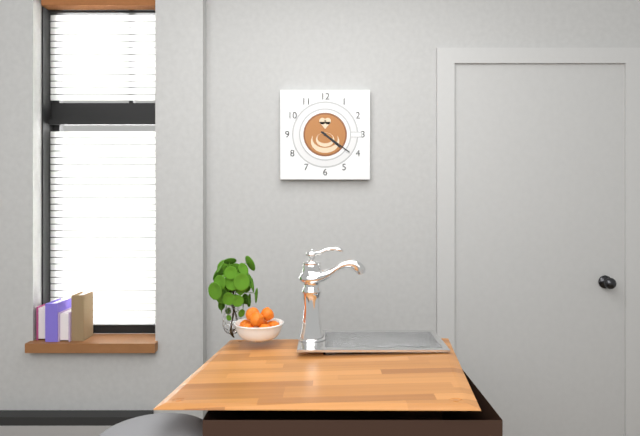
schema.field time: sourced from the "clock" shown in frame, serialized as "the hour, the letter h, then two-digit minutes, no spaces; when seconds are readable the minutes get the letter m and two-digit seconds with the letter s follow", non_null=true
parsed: 4h21
